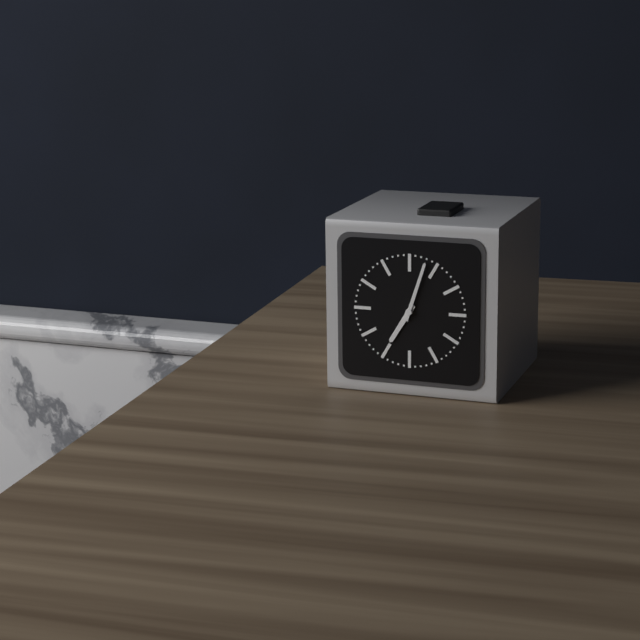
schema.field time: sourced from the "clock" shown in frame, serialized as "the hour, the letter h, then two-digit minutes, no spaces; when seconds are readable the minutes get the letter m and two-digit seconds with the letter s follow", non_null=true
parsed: 7h03
